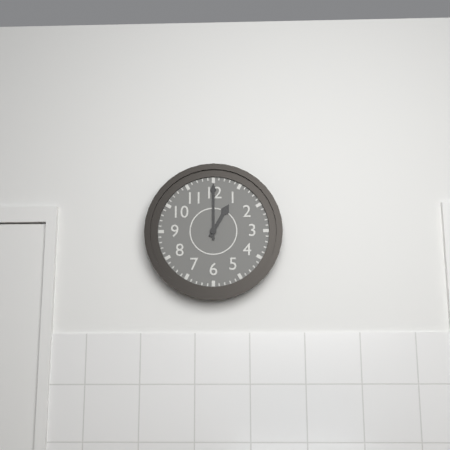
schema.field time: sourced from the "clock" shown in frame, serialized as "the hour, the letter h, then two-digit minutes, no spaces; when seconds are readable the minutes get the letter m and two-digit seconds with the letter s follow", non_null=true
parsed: 1h00
